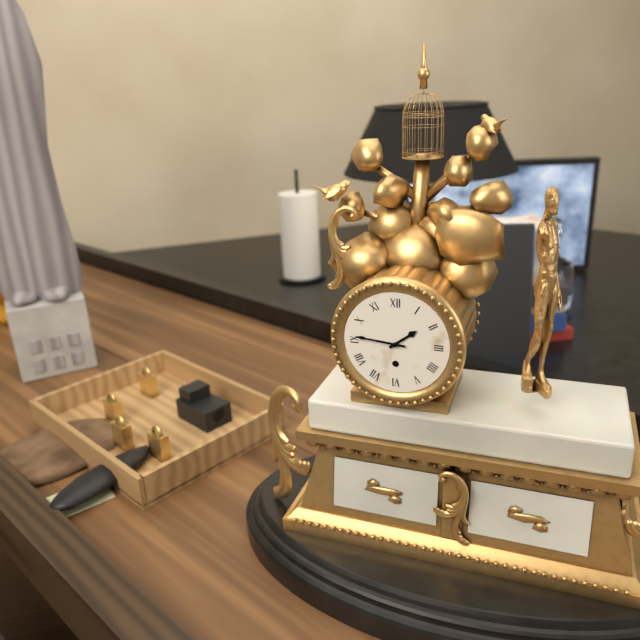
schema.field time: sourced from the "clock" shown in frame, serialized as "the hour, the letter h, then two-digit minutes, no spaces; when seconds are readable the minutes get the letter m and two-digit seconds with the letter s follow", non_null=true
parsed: 1h46
